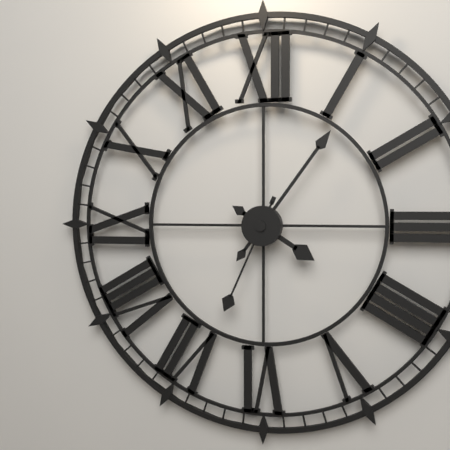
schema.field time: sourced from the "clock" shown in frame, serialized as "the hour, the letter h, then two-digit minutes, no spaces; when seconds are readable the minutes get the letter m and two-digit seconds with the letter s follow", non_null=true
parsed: 4h06m34s
